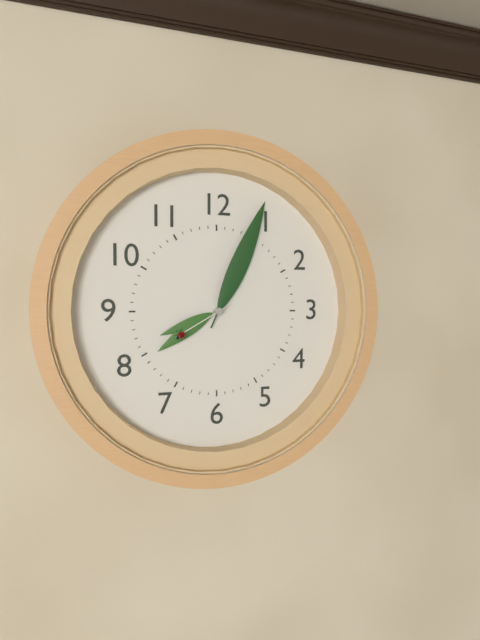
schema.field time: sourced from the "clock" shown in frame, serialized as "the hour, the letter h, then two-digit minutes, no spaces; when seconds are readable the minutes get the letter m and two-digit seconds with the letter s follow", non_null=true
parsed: 8h04m40s
